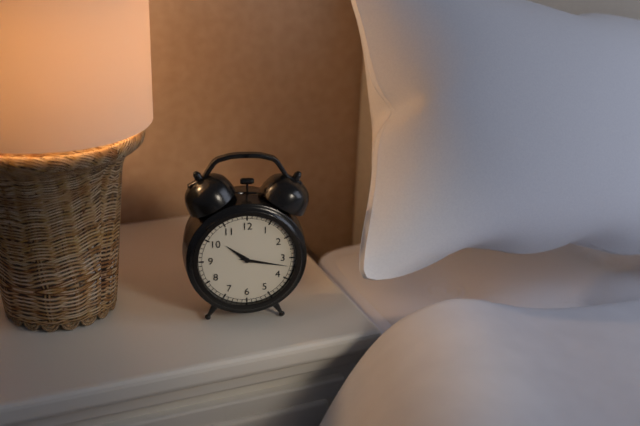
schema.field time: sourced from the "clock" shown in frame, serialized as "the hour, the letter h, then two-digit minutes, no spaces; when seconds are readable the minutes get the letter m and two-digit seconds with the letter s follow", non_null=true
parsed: 10h17
